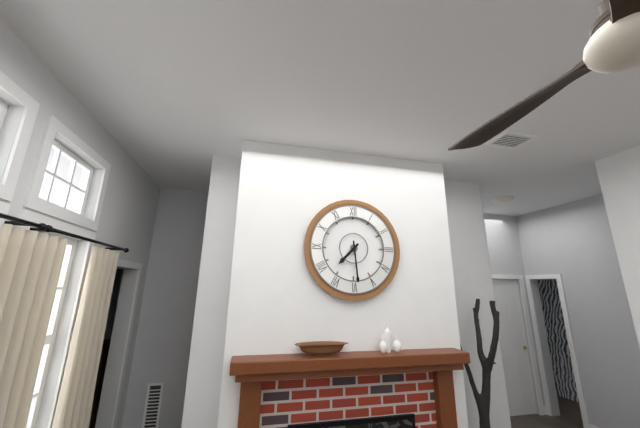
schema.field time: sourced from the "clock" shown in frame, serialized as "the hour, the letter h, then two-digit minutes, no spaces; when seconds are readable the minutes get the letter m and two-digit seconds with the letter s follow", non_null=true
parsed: 7h29
